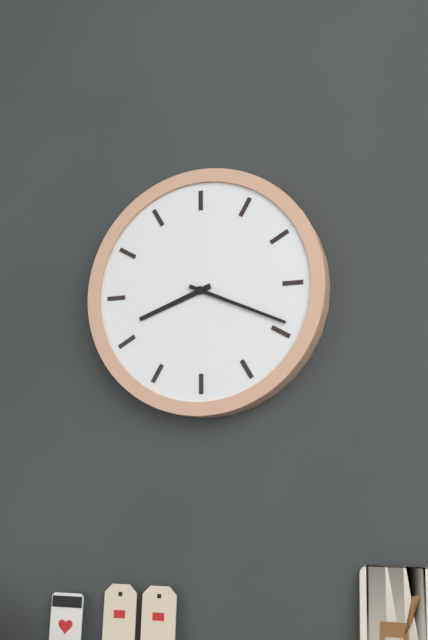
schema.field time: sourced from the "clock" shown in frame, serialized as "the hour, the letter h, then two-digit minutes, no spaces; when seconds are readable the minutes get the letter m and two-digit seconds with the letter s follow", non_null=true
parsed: 8h19
